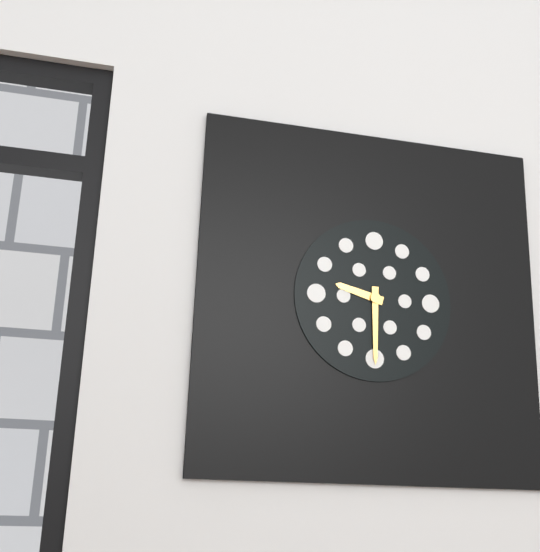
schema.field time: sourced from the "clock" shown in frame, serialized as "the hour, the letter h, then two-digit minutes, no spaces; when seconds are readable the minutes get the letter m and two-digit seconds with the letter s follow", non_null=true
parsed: 9h30
